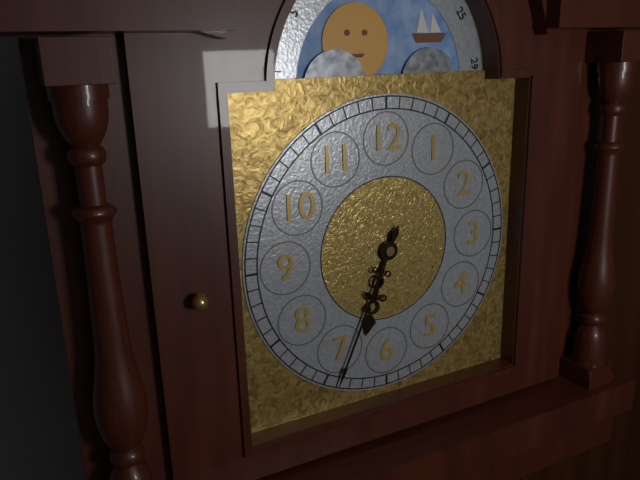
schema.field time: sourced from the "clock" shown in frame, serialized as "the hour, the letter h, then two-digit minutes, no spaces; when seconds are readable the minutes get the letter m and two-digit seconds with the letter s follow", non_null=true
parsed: 6h34
